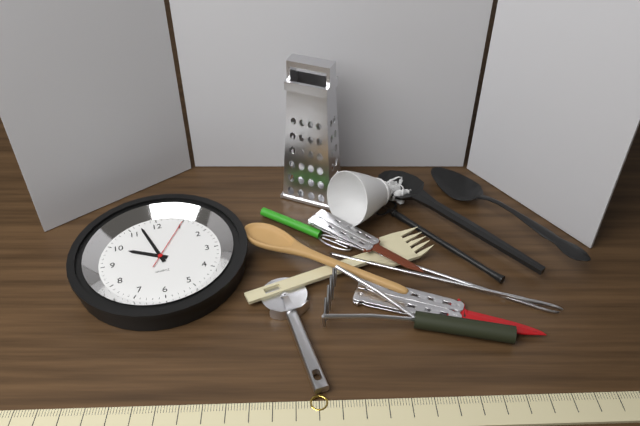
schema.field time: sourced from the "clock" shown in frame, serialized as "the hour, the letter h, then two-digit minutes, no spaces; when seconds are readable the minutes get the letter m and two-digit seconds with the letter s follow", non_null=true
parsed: 9h57m05s
